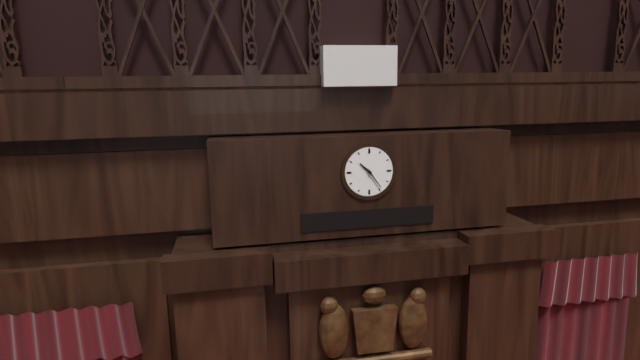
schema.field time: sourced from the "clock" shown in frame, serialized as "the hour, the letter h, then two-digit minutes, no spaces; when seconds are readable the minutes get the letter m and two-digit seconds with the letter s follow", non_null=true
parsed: 10h24
